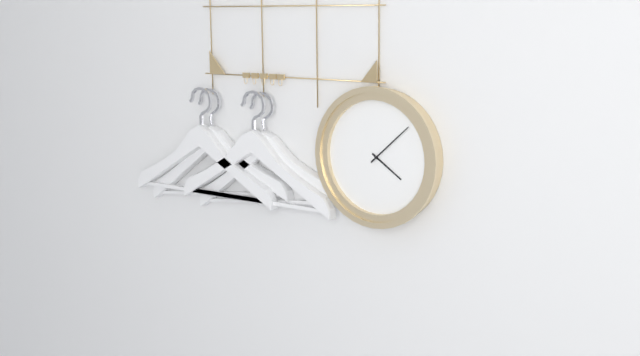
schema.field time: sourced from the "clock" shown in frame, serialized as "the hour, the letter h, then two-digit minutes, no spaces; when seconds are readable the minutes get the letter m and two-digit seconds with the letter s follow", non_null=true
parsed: 4h08
